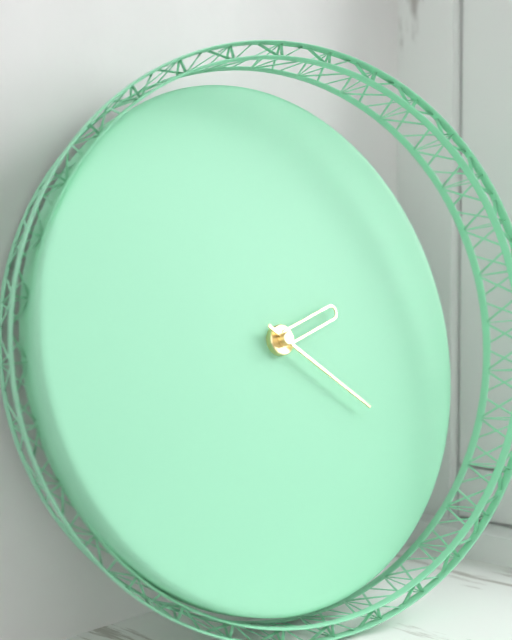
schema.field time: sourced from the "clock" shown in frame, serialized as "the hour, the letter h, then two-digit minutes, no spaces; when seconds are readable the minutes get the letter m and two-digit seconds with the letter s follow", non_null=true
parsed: 2h21
